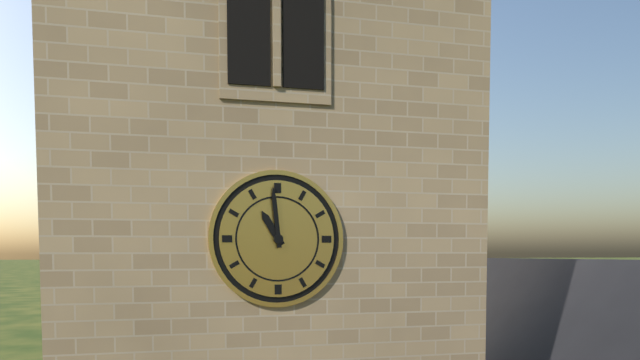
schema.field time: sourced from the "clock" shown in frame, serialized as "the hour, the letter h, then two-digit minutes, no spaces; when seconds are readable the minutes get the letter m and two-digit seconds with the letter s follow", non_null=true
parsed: 10h59
